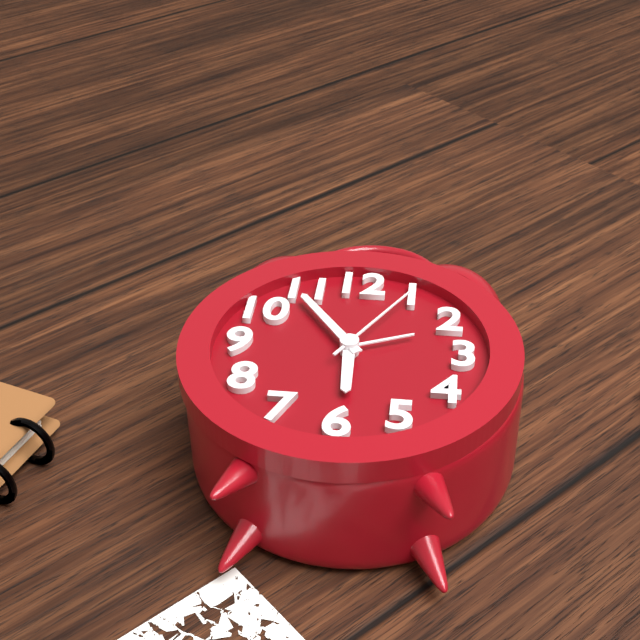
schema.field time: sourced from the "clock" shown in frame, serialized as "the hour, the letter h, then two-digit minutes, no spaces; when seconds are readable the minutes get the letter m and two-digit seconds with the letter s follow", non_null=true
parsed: 5h54m05s
